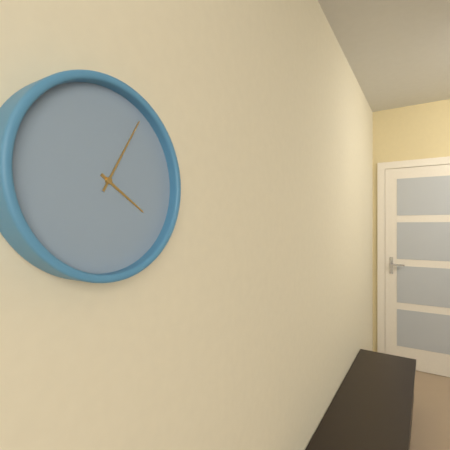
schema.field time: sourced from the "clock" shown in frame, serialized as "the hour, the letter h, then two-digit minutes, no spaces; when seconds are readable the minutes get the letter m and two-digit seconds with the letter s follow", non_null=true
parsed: 4h05
